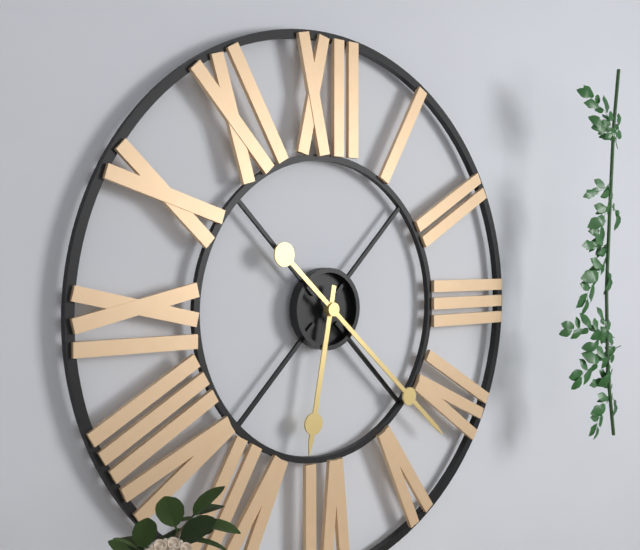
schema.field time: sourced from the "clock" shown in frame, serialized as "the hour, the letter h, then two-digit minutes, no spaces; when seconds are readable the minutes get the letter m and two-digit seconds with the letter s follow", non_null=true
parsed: 6h22
